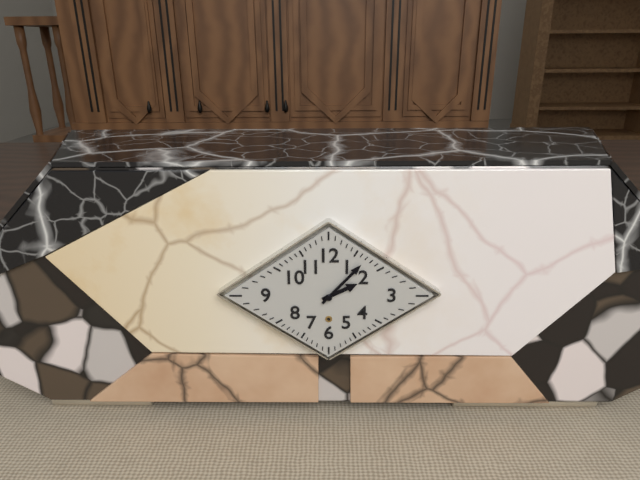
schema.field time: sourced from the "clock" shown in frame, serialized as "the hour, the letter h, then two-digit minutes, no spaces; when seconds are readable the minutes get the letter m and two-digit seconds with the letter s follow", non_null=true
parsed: 2h07
